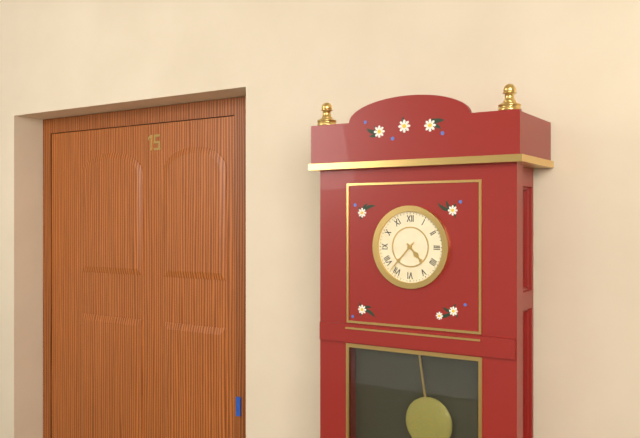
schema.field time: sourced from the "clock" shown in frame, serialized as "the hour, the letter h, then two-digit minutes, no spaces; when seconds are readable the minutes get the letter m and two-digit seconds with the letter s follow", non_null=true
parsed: 4h37
